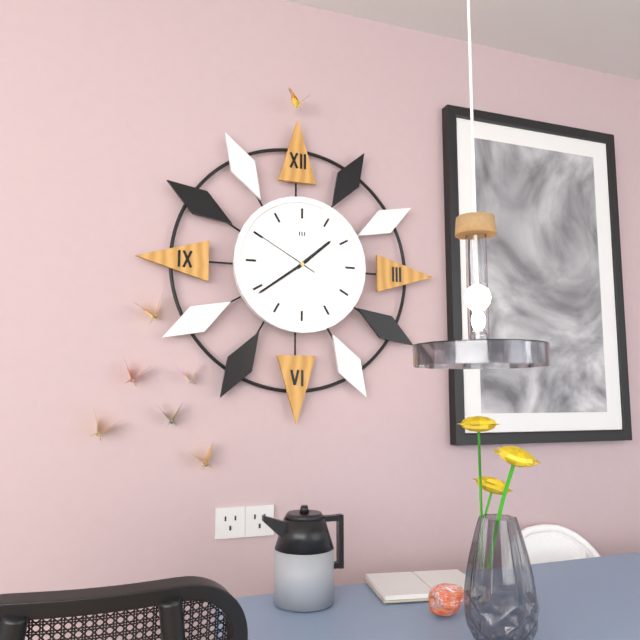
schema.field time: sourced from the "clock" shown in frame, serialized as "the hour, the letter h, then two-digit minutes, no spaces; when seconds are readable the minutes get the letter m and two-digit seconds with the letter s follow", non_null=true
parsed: 1h39m50s
